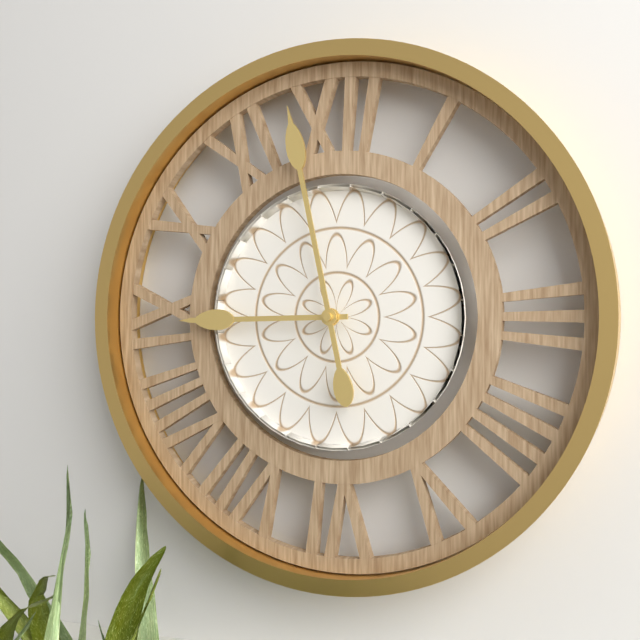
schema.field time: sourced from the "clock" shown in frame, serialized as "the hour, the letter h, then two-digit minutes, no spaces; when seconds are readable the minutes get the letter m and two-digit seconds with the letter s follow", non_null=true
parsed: 8h58
